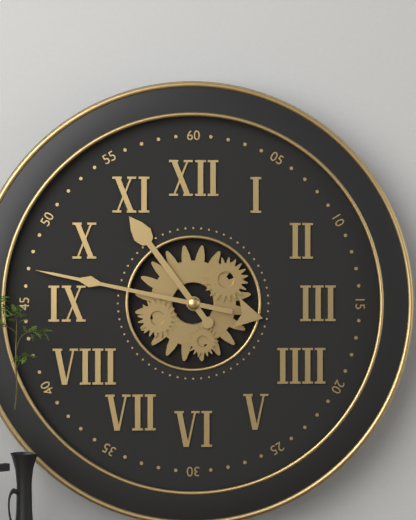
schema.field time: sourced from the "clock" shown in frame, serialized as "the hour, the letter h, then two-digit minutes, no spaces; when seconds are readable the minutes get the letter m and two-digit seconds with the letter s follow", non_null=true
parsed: 10h47
